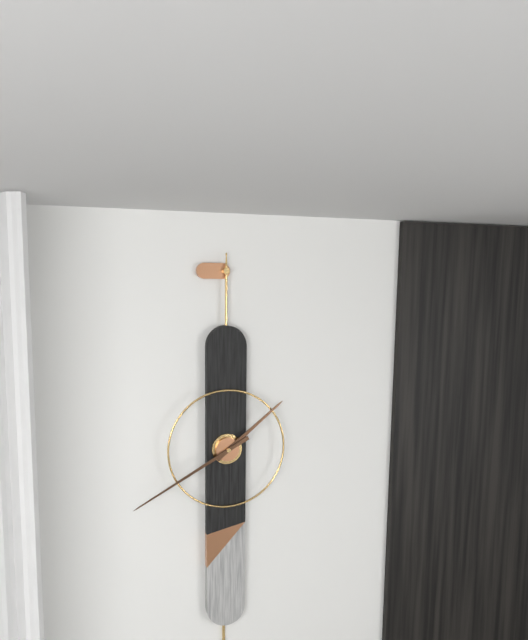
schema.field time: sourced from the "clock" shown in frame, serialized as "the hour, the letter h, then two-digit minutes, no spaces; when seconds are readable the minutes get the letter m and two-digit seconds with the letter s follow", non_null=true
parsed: 1h40
